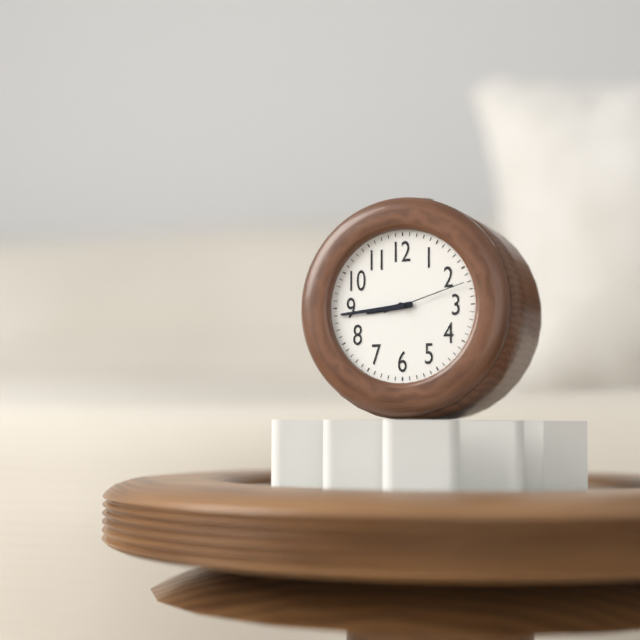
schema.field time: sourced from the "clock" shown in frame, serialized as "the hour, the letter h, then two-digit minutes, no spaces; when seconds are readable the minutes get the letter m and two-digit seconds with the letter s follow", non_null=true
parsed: 8h44m12s
